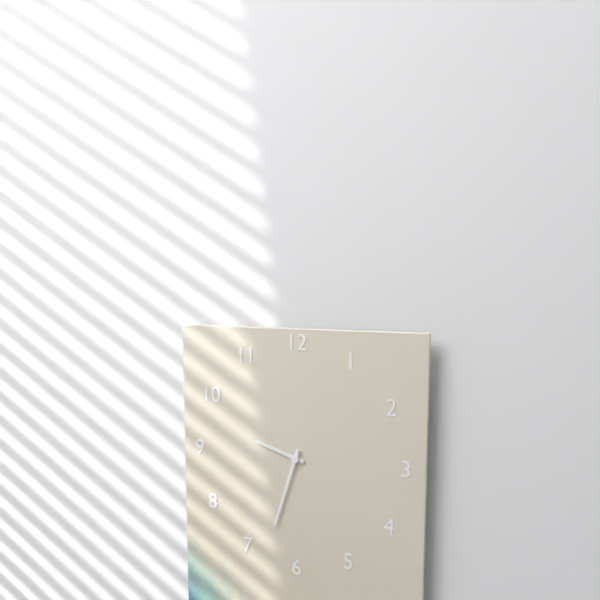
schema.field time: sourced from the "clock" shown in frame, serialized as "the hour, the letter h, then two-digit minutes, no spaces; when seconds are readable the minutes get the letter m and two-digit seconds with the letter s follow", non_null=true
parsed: 9h33
